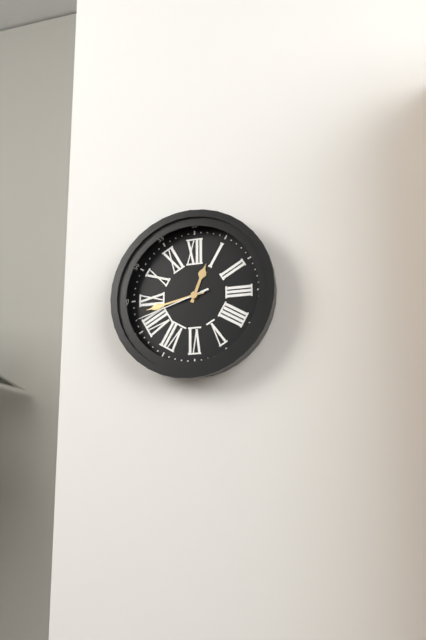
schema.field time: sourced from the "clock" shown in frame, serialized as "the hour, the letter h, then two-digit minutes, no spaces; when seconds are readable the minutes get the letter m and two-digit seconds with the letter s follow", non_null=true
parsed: 12h43m42s
